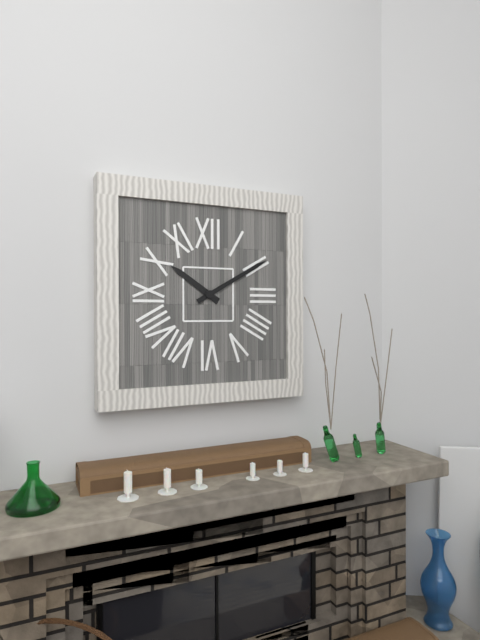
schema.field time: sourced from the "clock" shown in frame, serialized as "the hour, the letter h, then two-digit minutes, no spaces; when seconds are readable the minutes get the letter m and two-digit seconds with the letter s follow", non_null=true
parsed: 10h10
